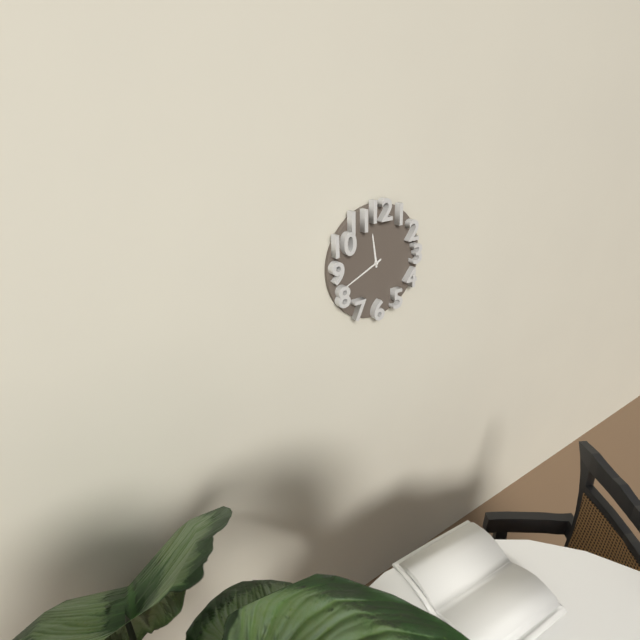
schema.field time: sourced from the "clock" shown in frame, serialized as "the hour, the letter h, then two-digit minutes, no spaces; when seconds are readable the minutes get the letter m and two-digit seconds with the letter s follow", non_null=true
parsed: 11h41
